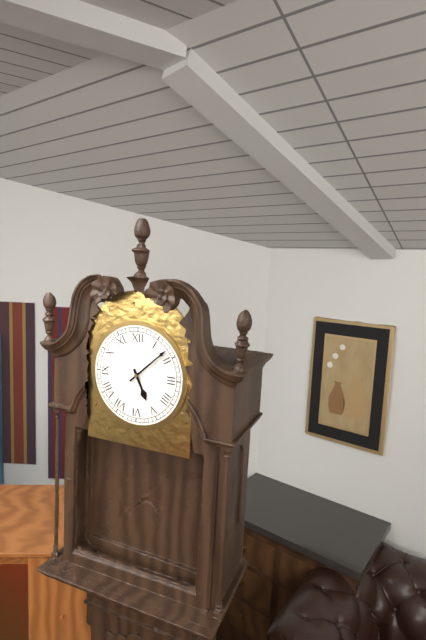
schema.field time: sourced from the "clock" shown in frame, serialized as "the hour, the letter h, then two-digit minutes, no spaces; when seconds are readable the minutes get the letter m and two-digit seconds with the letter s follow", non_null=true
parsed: 5h08
